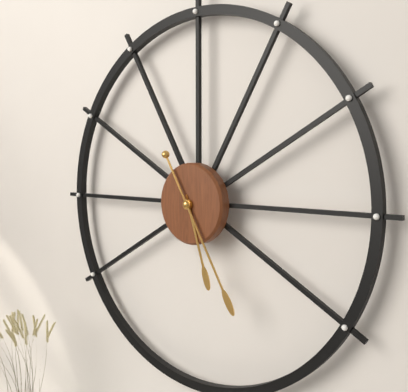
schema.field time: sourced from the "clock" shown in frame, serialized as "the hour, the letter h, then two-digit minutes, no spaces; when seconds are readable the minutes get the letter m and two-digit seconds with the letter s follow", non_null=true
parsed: 5h25
